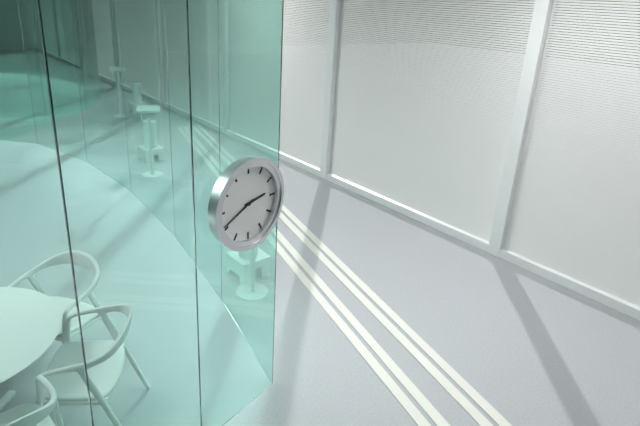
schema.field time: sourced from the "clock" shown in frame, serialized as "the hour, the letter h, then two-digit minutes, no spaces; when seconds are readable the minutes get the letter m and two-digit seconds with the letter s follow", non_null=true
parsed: 2h41
